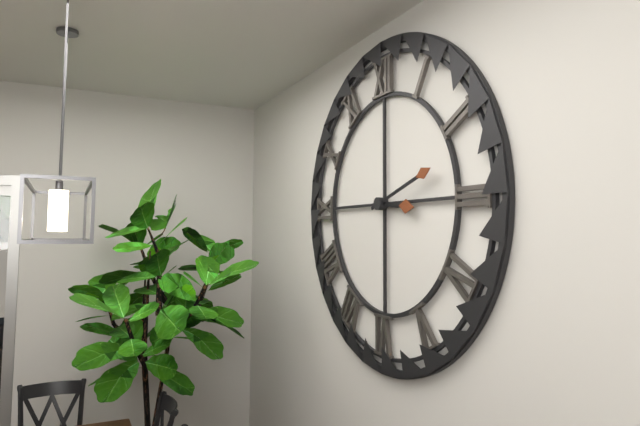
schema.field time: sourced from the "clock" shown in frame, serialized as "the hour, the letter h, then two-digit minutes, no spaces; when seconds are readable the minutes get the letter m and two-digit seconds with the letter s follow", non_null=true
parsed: 3h12
